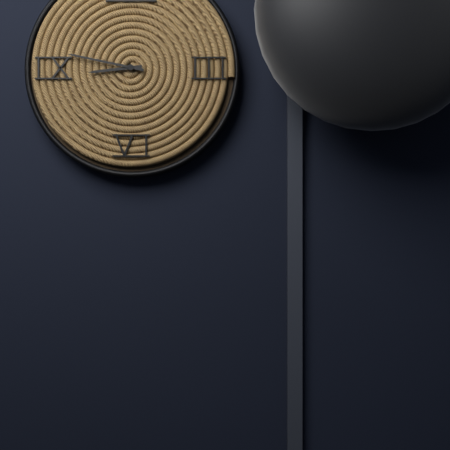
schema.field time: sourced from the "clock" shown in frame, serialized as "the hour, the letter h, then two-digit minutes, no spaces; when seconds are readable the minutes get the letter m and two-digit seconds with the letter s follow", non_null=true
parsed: 8h47
